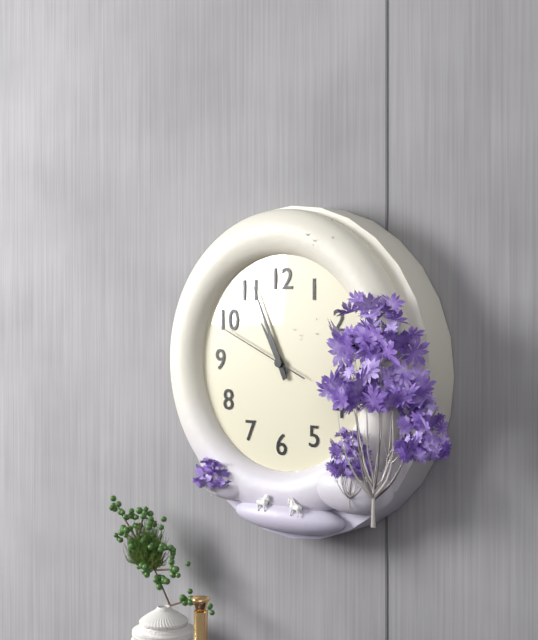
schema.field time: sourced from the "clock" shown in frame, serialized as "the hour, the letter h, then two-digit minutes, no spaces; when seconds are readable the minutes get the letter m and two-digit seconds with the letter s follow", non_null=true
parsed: 10h56m49s
